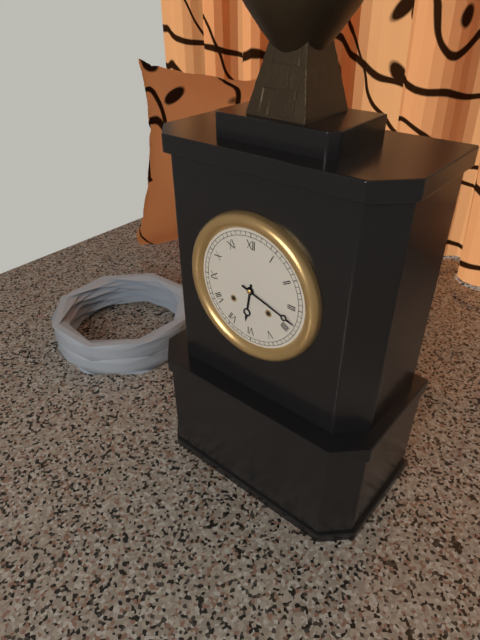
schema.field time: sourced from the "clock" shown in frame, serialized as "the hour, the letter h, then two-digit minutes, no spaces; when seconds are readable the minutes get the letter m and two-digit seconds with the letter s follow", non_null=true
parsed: 6h18
